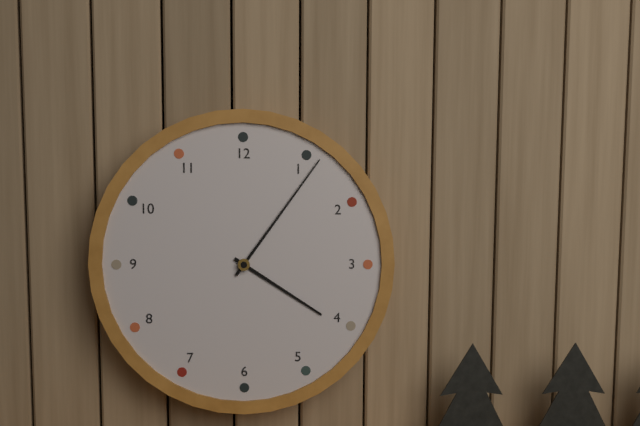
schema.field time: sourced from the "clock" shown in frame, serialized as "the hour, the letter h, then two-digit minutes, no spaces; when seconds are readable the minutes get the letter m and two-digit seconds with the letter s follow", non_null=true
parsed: 4h06
